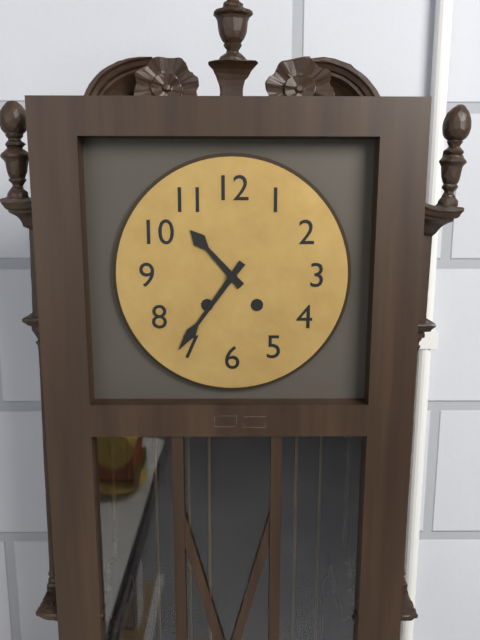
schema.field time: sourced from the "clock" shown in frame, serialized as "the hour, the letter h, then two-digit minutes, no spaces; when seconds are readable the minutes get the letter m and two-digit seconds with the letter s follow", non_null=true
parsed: 10h36
